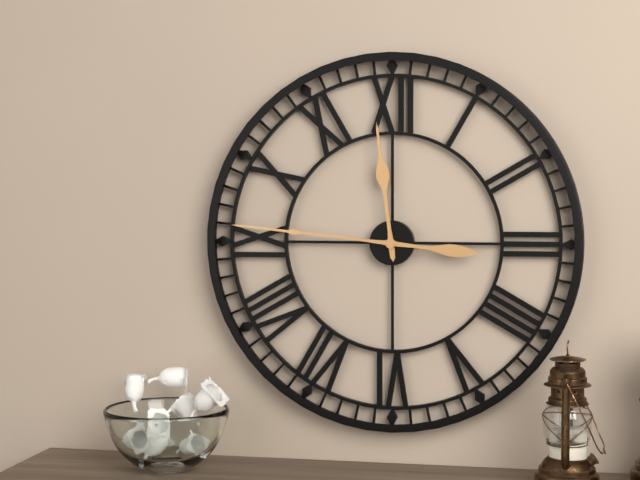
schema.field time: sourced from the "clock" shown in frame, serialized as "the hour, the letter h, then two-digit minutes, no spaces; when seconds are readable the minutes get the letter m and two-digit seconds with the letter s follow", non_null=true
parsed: 11h46
